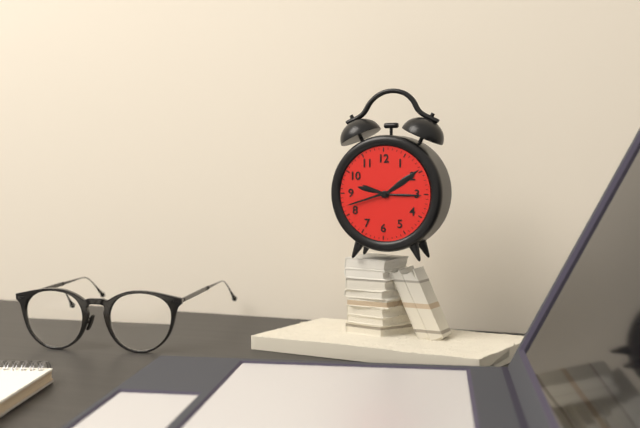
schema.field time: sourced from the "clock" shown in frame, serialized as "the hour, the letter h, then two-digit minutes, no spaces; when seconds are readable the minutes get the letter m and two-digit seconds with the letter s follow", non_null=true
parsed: 9h42
